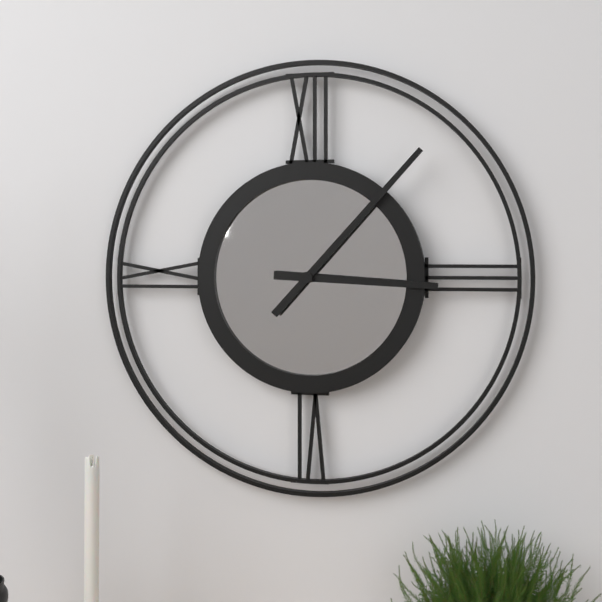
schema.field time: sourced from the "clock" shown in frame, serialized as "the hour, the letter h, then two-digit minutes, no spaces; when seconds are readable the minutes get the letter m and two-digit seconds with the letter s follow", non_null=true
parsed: 3h07
